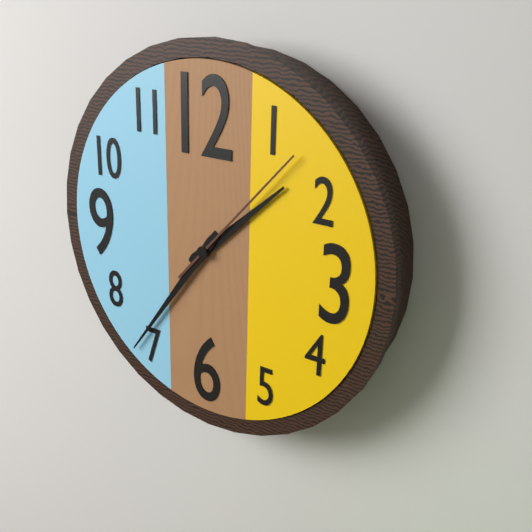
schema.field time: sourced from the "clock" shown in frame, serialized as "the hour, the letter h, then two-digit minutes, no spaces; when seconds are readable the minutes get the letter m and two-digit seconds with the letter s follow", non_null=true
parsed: 1h36m07s
